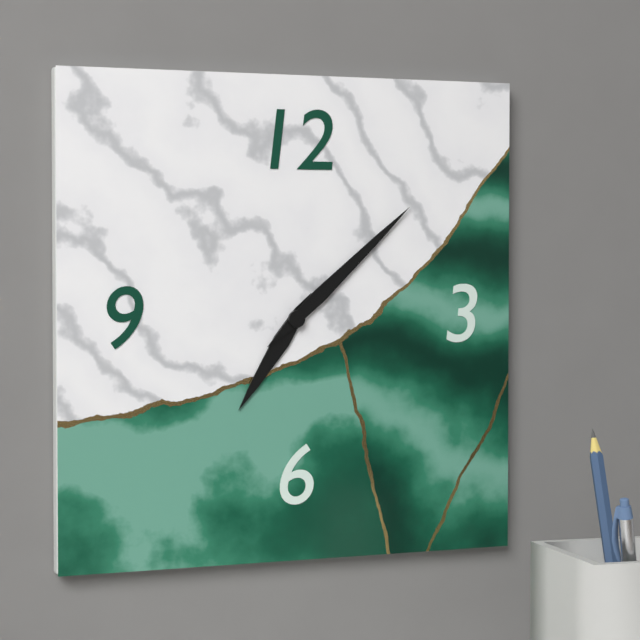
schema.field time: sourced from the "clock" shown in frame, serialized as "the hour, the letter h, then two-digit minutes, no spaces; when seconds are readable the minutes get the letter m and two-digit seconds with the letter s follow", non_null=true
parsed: 7h08
